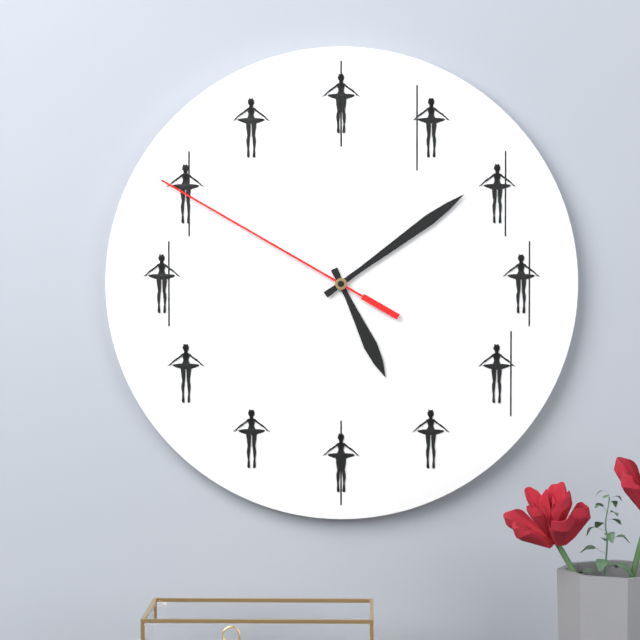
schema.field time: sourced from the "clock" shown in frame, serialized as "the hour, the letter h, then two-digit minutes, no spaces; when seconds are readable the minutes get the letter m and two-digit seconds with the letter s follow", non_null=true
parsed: 5h09m50s
